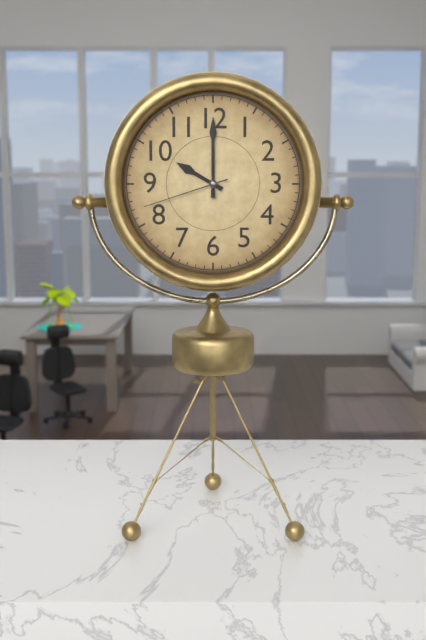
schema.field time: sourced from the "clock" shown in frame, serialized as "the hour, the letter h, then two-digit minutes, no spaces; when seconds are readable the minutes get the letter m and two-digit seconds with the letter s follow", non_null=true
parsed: 10h00m42s
